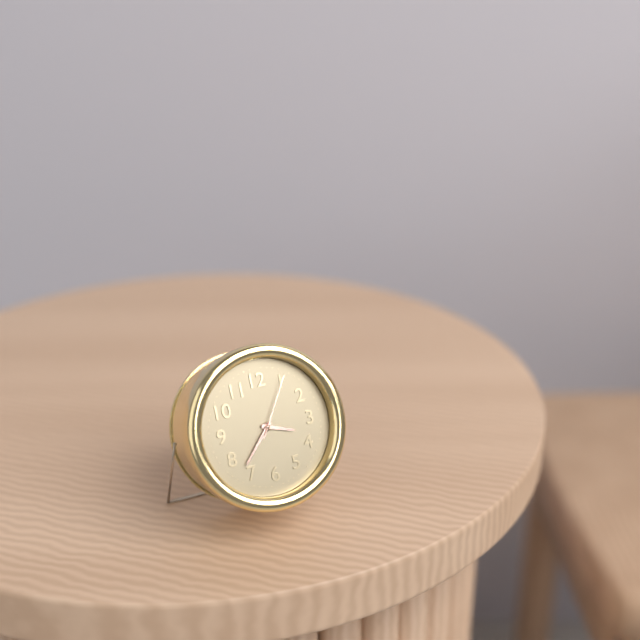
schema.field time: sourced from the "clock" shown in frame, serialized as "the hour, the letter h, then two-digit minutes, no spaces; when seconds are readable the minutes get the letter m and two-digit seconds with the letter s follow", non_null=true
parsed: 3h37m05s
